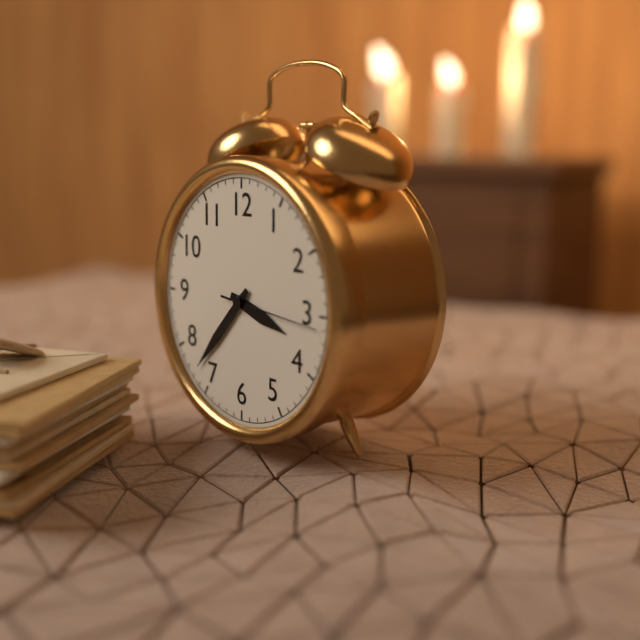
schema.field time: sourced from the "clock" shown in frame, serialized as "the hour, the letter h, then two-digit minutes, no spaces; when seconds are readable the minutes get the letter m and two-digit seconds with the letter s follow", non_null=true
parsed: 3h37m16s
